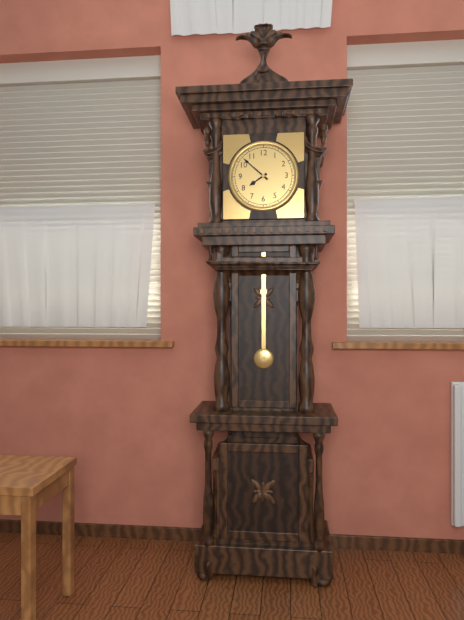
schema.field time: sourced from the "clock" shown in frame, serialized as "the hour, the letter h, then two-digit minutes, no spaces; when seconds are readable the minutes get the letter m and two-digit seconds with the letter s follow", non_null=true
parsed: 7h52
